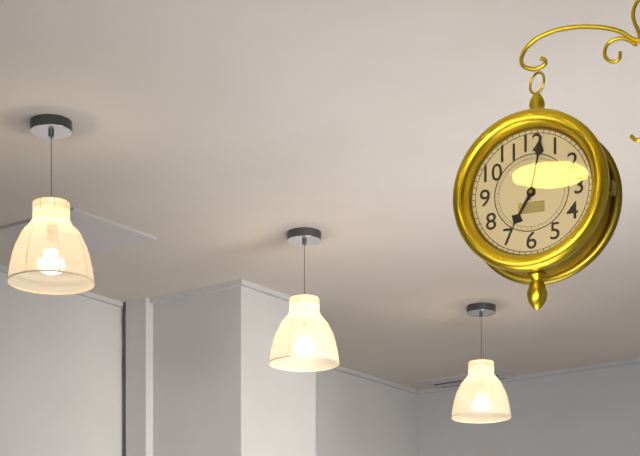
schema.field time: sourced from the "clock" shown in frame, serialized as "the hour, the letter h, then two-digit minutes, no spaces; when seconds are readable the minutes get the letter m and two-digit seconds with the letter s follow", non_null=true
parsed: 7h02
